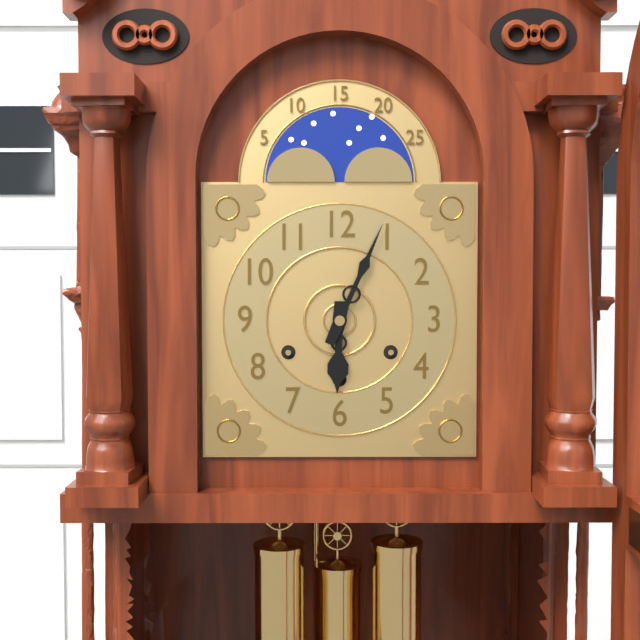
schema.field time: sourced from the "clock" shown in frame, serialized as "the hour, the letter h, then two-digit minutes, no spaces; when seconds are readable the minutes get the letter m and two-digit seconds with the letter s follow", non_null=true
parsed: 6h04
